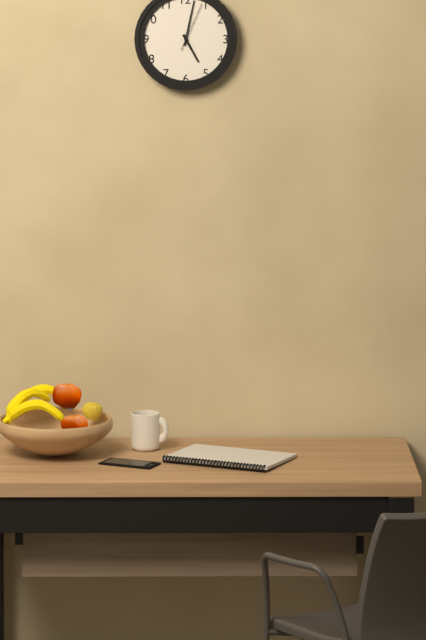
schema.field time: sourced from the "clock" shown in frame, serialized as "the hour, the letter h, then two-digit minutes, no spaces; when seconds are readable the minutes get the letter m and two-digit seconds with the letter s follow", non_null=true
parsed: 5h02
